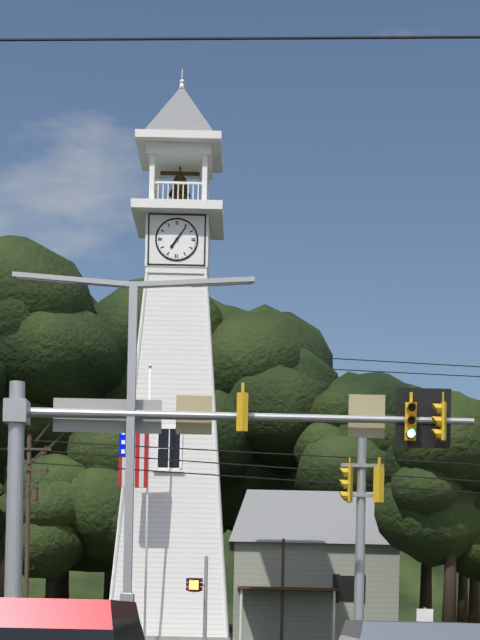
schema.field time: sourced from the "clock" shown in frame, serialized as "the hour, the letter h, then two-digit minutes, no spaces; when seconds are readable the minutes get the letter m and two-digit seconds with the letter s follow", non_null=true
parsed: 7h06
